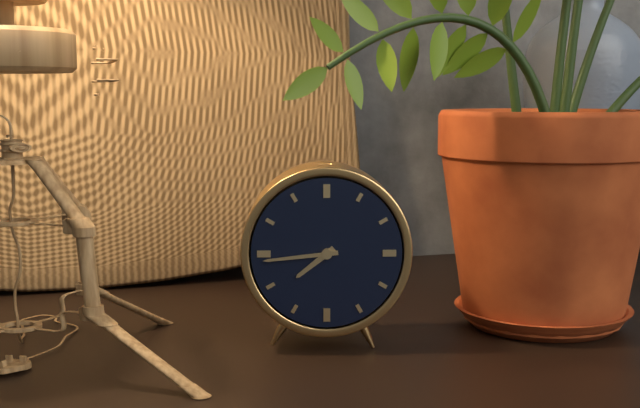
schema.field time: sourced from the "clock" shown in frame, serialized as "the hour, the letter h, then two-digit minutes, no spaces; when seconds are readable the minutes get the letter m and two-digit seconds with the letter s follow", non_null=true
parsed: 7h44
